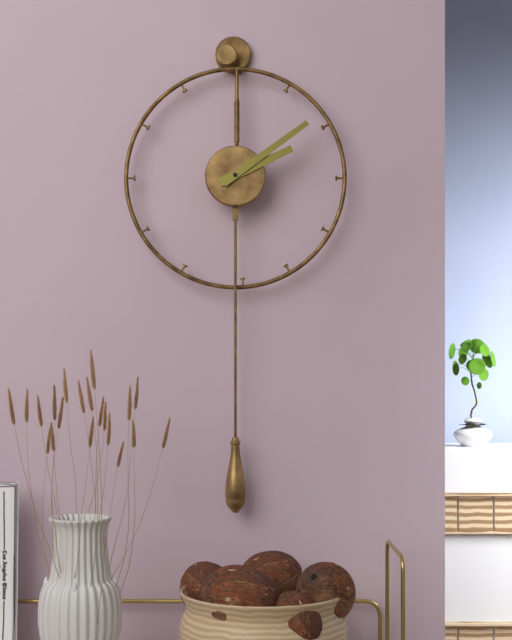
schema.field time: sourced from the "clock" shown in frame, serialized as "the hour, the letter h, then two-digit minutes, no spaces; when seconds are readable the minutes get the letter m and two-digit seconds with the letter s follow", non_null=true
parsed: 2h09
